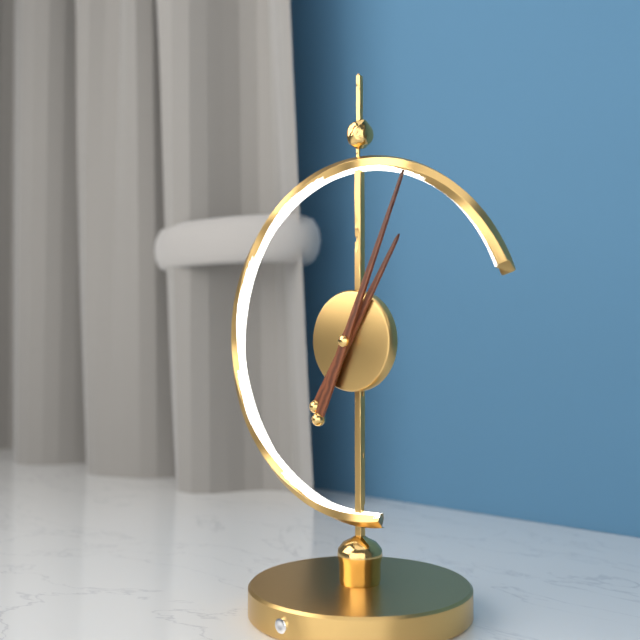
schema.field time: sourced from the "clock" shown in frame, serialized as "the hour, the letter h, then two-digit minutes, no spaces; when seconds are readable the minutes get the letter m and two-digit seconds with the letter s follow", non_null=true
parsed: 1h04
